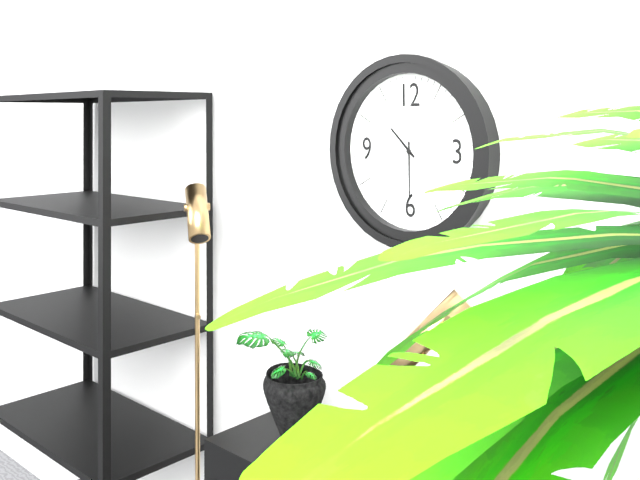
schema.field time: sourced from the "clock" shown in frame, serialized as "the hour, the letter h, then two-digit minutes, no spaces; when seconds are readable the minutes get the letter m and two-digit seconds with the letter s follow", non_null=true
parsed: 10h30
